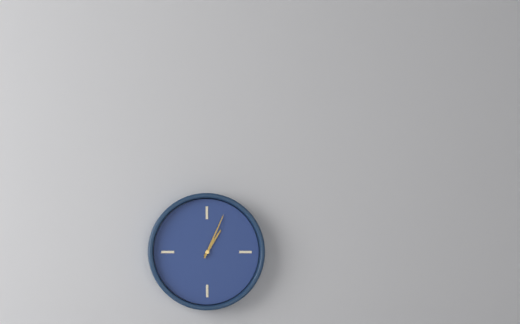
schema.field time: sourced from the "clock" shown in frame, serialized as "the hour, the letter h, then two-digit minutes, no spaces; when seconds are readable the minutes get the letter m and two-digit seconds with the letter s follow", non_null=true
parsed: 1h04
